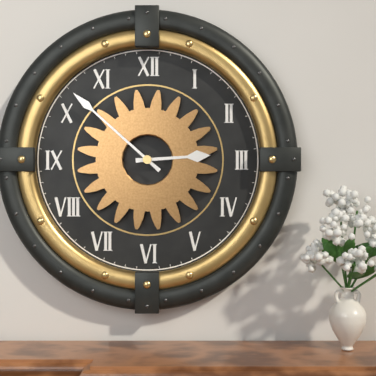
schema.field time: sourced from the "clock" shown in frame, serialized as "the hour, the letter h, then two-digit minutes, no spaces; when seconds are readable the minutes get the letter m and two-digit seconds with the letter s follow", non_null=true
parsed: 2h52
